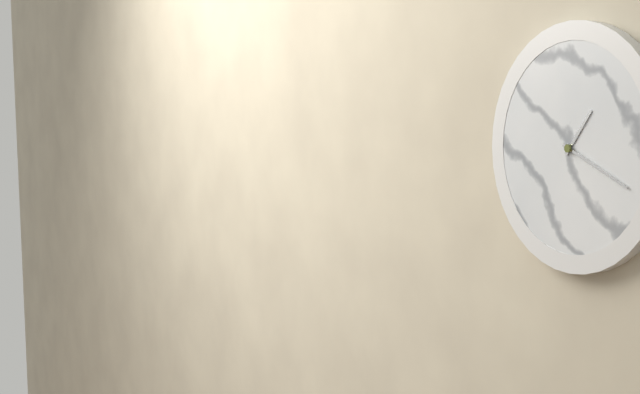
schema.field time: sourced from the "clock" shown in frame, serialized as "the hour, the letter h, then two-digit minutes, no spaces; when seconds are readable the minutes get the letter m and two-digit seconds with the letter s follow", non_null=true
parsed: 1h19
